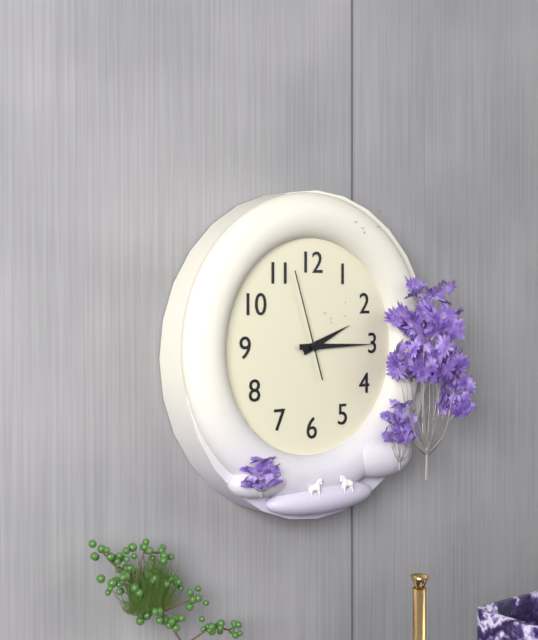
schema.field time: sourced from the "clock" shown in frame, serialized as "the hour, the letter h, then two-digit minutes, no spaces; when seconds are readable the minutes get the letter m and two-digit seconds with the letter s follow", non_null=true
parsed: 2h15m57s
